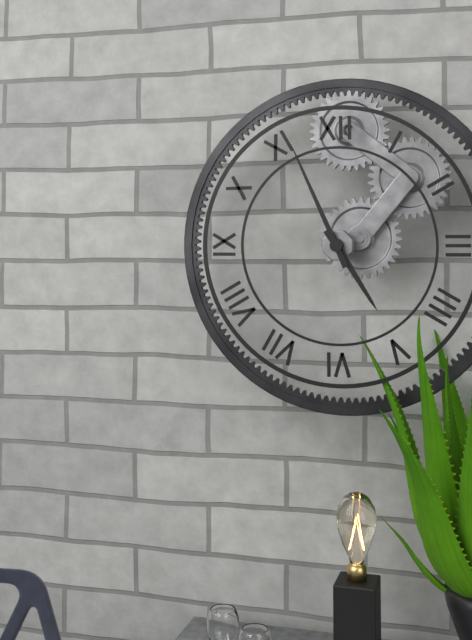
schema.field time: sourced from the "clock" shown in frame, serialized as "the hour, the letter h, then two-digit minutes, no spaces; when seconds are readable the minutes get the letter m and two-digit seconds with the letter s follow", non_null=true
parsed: 4h56
